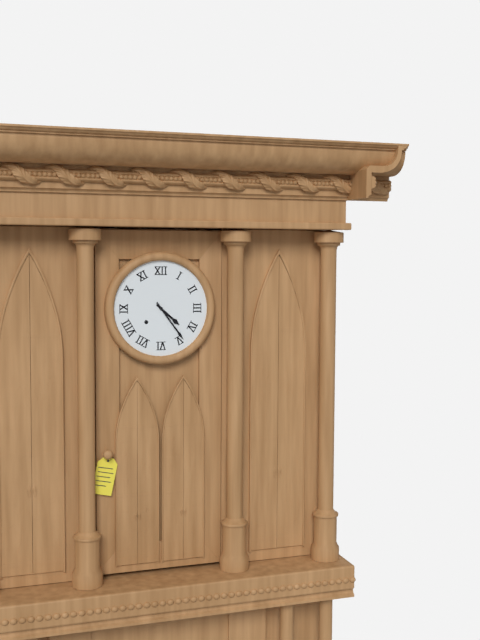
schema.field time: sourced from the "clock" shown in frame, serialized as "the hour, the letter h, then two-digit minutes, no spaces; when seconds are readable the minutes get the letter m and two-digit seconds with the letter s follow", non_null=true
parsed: 4h24
